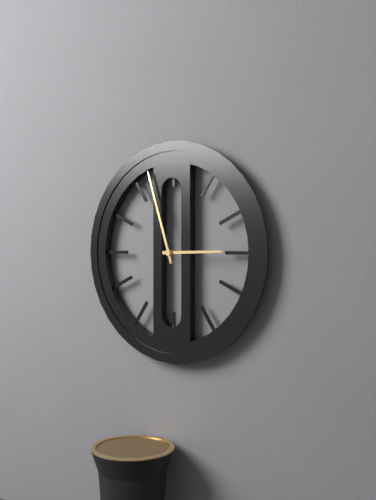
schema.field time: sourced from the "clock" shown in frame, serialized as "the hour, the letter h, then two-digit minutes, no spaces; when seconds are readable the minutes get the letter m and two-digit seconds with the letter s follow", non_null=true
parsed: 2h57
